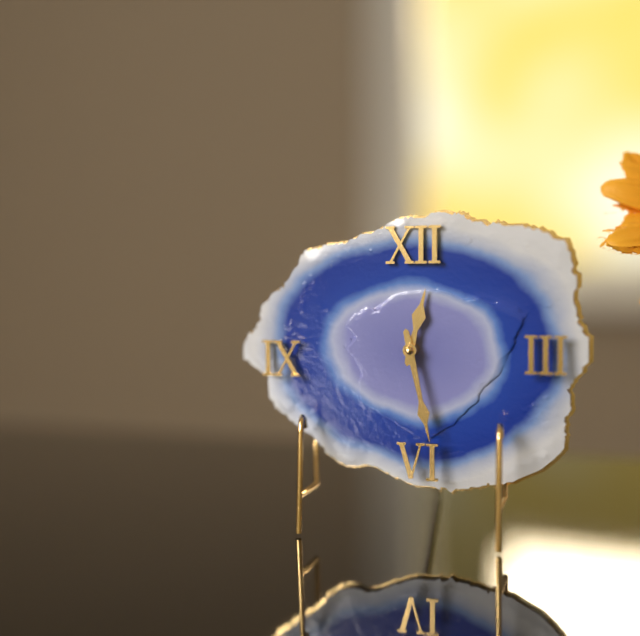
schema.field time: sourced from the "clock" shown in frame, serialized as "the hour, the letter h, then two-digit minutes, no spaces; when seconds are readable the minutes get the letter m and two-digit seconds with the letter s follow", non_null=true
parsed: 12h28
